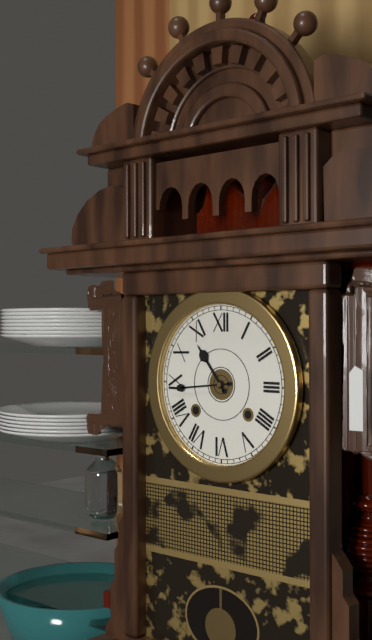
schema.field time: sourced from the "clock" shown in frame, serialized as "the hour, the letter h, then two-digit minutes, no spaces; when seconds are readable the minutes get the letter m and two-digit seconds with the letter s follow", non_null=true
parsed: 10h44
